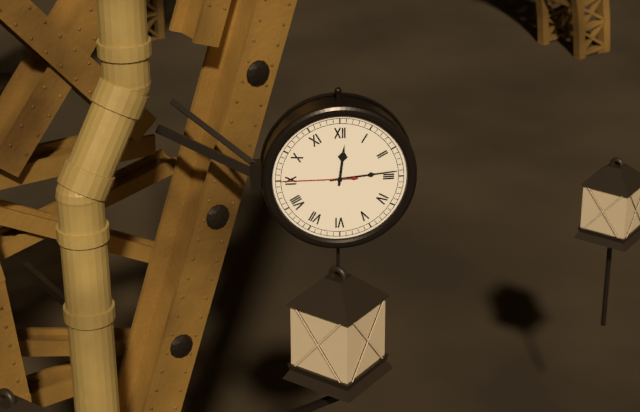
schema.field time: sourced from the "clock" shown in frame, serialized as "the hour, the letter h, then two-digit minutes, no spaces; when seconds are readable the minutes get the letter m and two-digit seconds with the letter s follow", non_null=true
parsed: 12h14m45s
